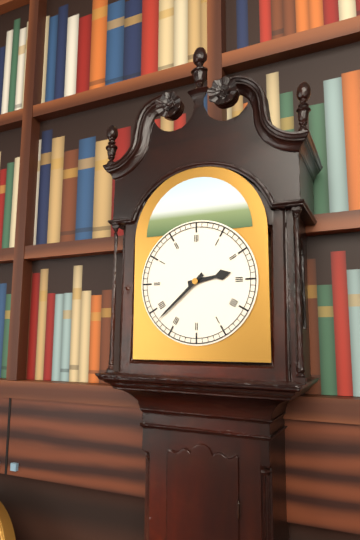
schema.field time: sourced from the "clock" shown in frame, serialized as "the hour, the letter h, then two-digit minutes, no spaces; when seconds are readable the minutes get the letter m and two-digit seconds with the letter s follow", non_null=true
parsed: 2h38
